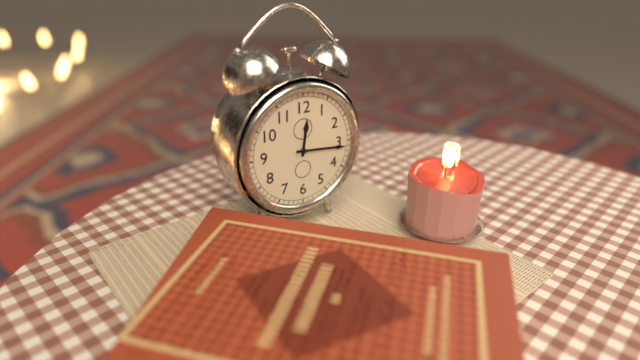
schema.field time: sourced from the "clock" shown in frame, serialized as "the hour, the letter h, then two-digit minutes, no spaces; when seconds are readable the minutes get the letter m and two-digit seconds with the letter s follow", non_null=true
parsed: 12h16
